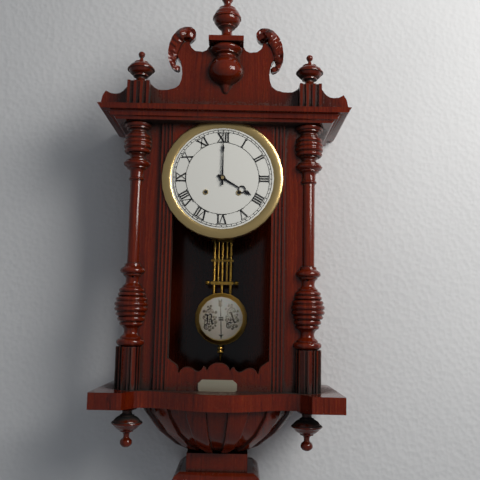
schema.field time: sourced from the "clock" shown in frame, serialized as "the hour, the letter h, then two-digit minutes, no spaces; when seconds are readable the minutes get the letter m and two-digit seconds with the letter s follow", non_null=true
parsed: 4h00
